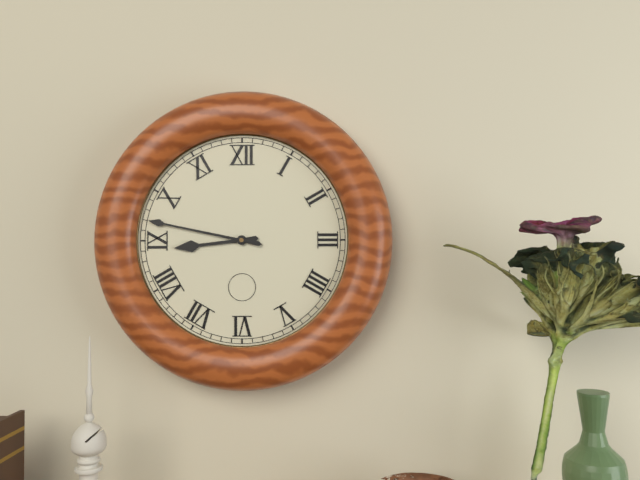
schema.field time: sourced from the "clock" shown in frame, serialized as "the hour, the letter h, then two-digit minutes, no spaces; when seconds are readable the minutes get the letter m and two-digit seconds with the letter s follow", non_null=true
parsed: 8h47
